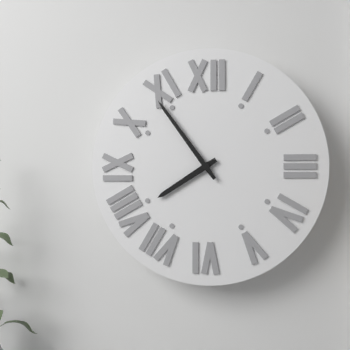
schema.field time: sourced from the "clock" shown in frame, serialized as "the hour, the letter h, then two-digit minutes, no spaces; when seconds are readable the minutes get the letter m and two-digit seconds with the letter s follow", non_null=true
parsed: 7h54
